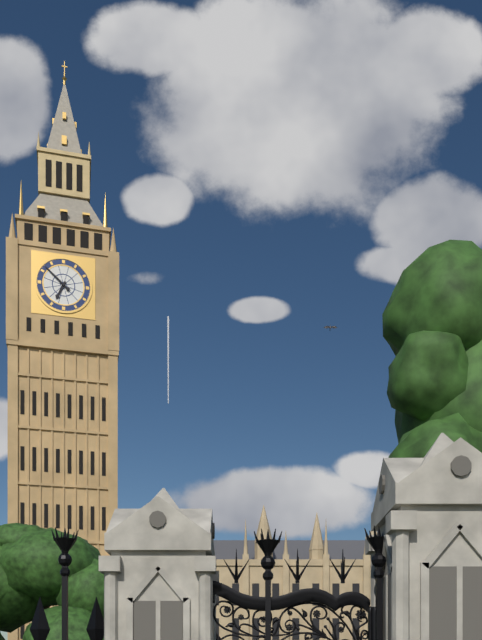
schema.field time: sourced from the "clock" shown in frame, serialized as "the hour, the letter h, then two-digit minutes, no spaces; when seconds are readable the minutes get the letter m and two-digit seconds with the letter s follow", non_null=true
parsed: 6h52
